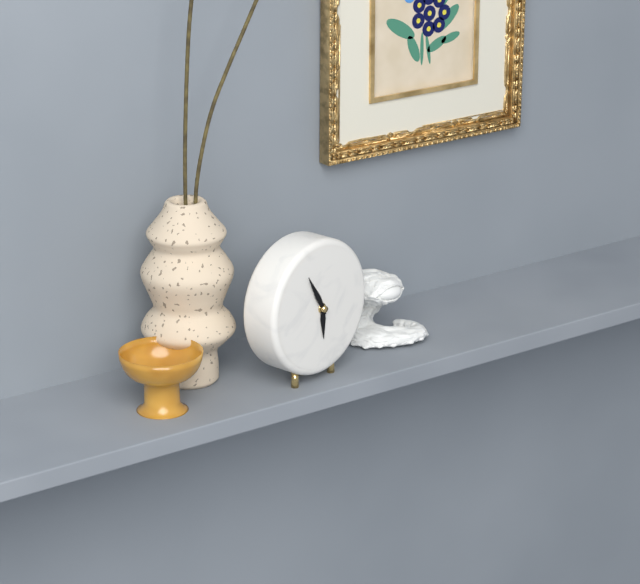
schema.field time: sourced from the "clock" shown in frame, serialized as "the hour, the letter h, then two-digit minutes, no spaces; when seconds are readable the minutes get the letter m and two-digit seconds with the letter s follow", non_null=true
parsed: 5h55
